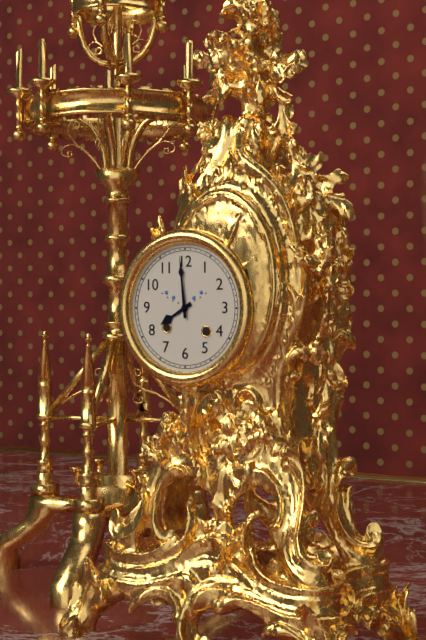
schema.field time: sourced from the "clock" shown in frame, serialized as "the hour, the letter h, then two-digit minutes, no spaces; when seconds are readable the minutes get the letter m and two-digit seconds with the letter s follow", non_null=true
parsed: 7h59
